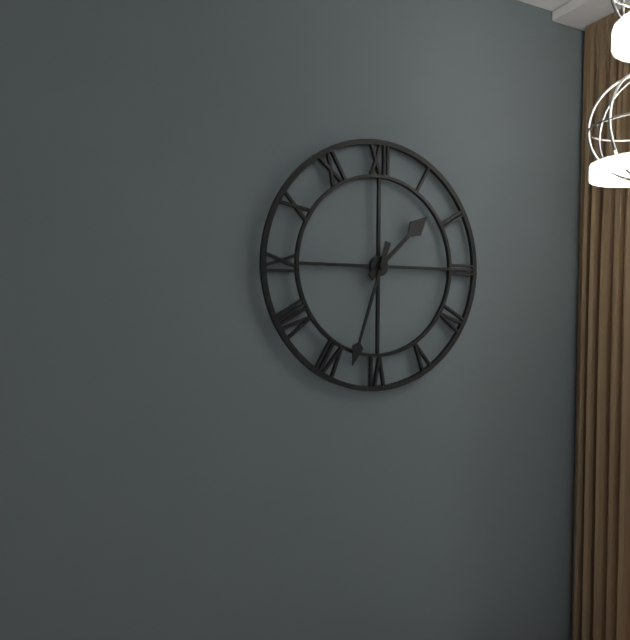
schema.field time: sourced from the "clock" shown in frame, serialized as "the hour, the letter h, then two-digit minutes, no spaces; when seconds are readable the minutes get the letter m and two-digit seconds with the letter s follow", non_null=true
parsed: 1h33
